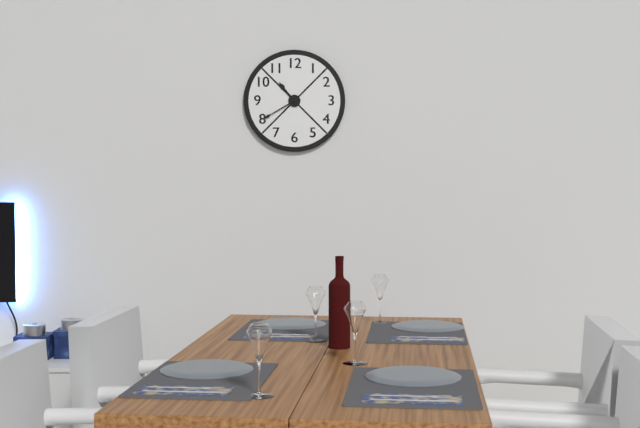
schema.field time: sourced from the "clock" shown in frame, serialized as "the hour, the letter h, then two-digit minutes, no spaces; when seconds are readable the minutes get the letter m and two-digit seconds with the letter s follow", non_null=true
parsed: 10h40
